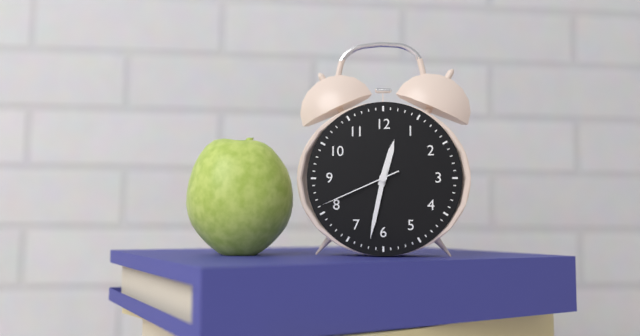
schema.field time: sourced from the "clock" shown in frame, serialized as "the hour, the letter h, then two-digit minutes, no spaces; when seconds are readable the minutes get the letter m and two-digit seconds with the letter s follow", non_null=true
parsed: 12h32m41s
